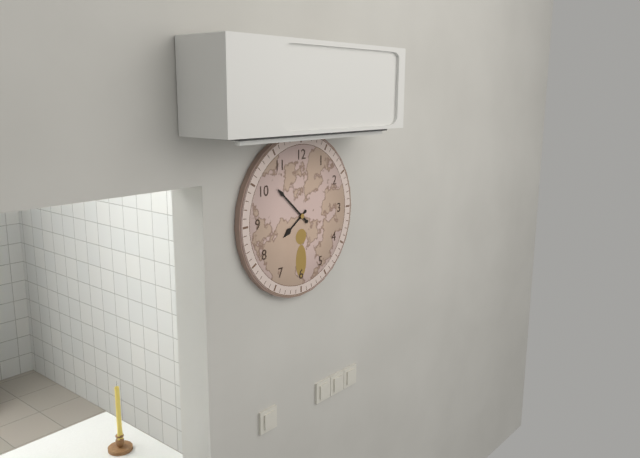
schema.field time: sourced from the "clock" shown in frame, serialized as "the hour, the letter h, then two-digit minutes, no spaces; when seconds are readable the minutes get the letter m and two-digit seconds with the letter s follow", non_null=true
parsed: 7h52
